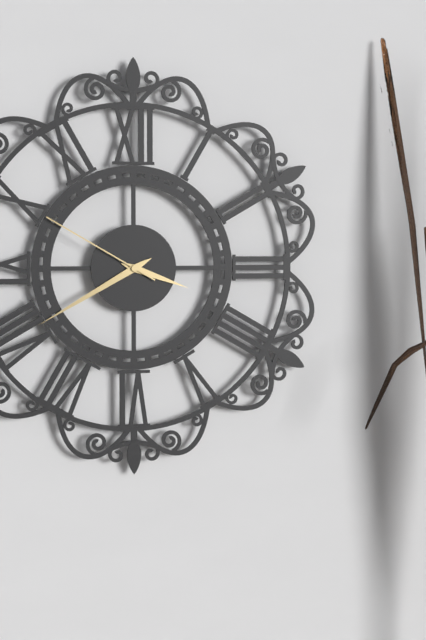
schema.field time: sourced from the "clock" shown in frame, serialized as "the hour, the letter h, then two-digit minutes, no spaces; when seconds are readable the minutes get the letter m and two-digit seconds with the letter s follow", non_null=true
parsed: 3h40m50s
